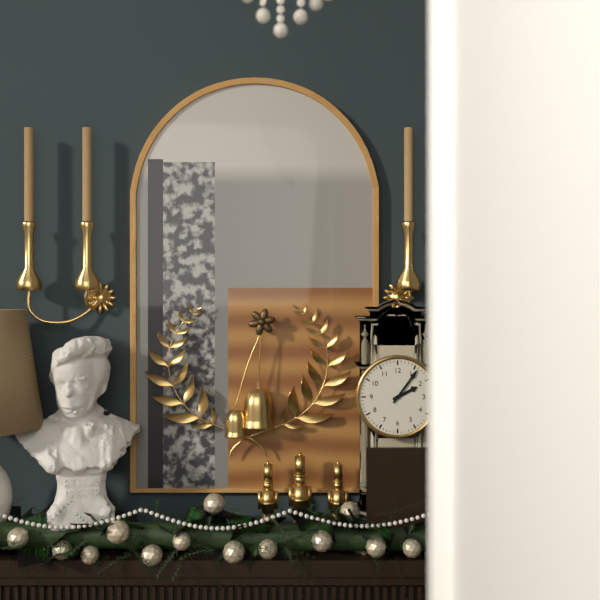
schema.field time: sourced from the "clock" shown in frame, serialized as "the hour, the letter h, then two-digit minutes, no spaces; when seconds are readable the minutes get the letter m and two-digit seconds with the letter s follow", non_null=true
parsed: 2h06
